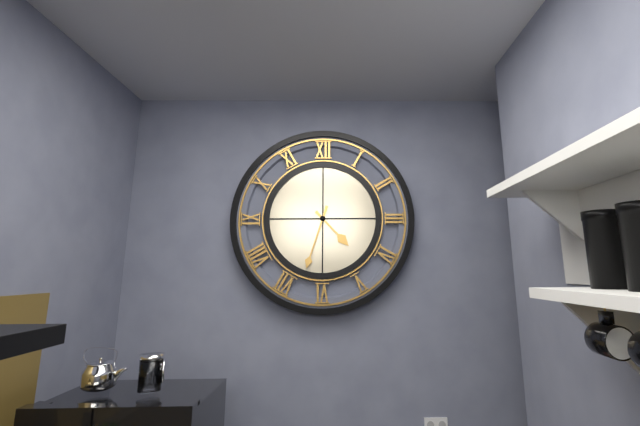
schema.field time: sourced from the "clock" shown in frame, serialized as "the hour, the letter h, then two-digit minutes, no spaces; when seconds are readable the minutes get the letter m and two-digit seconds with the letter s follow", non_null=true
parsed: 4h33
